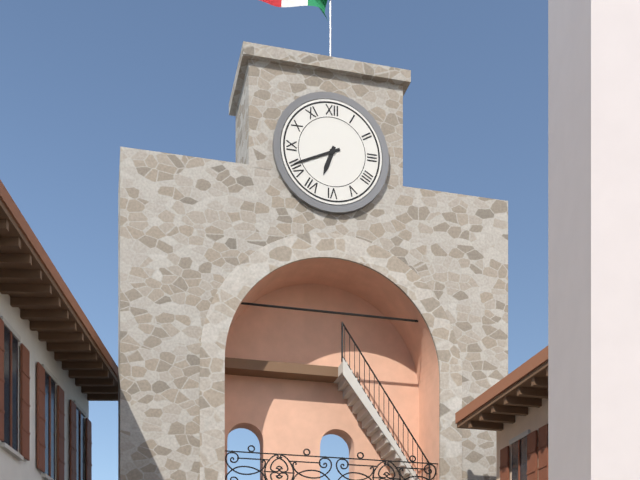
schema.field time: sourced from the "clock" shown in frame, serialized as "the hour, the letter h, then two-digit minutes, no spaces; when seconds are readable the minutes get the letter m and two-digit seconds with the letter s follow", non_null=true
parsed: 6h41
